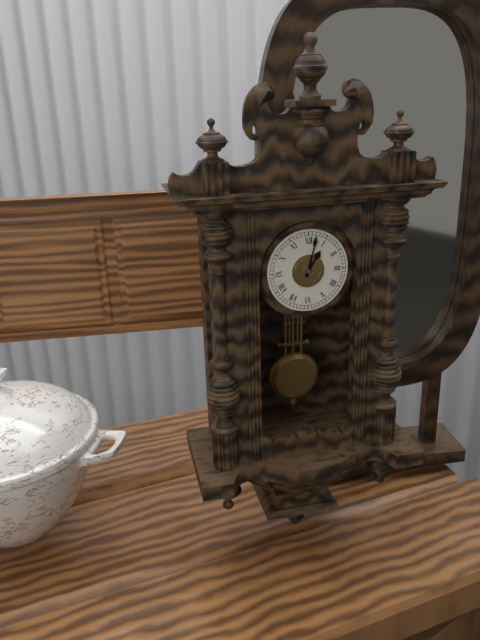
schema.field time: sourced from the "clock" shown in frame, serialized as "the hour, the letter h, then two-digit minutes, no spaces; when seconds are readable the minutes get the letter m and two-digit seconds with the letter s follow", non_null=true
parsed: 1h02
